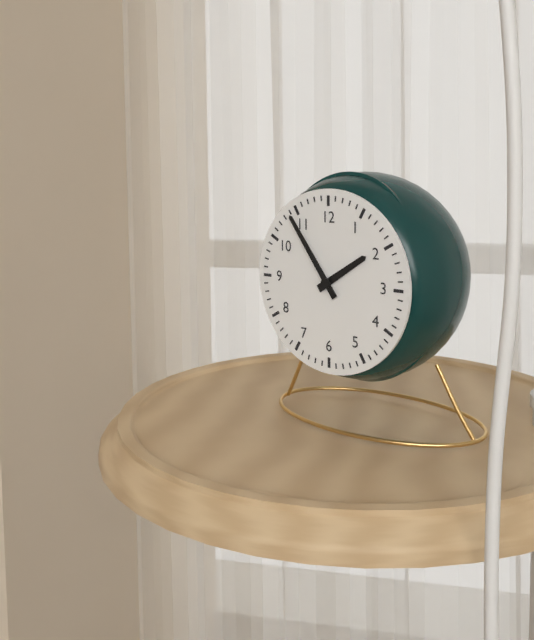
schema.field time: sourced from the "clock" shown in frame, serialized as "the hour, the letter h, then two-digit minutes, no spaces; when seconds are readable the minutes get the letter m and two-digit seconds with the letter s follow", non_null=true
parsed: 1h54
